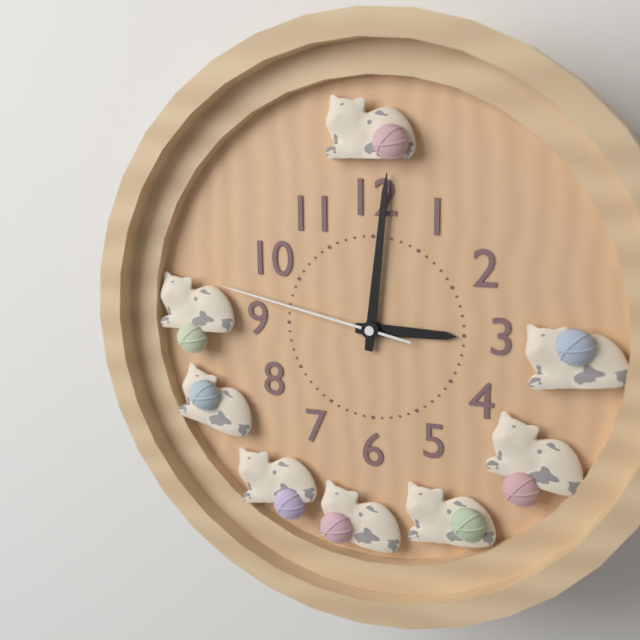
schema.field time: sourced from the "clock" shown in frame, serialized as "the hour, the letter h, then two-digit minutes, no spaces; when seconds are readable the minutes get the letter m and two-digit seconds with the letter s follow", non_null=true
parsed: 3h01m47s
